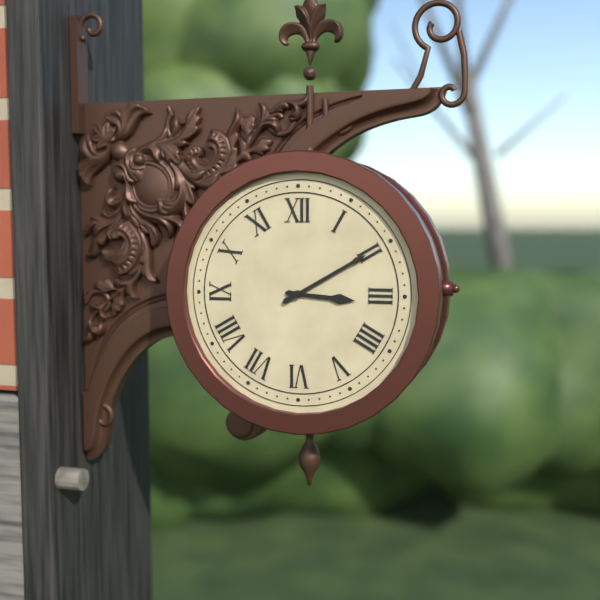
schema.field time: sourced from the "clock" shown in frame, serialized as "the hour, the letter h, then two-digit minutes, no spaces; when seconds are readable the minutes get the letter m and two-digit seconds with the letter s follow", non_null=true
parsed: 3h10
